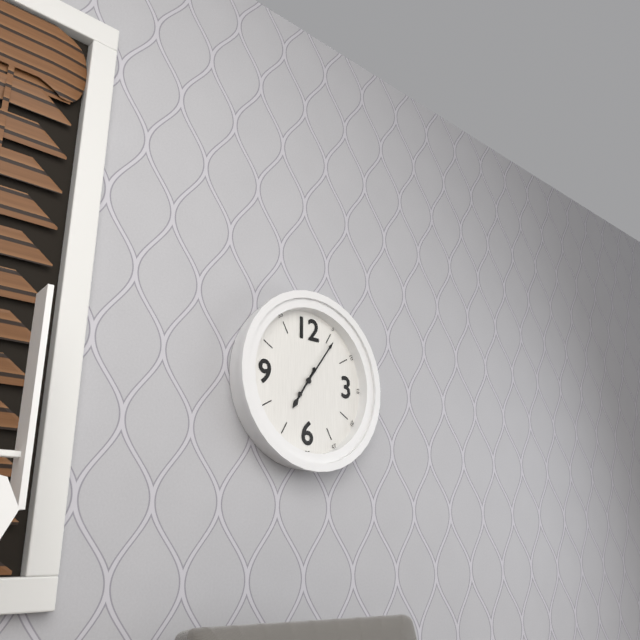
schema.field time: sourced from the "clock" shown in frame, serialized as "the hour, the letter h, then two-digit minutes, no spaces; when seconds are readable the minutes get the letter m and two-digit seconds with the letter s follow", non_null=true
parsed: 7h06
